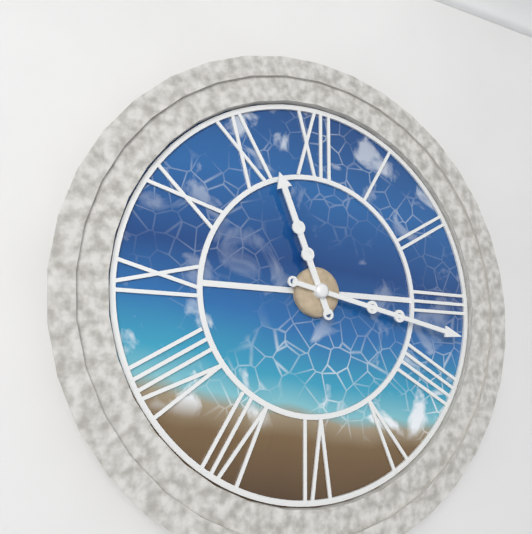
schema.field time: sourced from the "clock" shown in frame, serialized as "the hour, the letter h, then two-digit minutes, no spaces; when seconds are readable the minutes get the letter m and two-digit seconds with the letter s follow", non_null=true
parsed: 11h17
